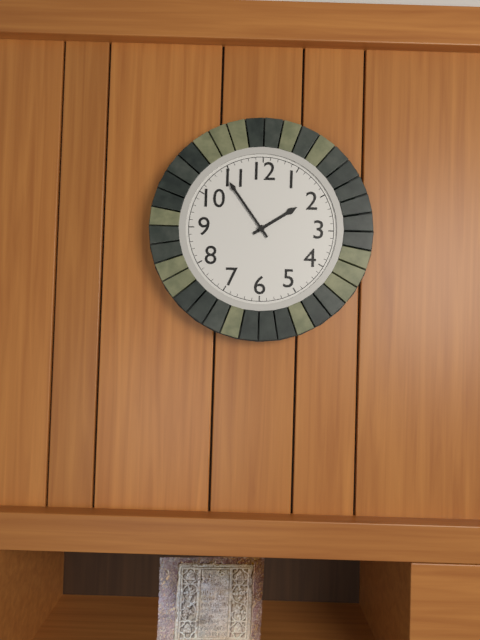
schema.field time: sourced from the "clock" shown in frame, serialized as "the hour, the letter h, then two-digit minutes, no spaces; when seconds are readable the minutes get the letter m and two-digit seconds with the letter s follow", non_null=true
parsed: 1h54
